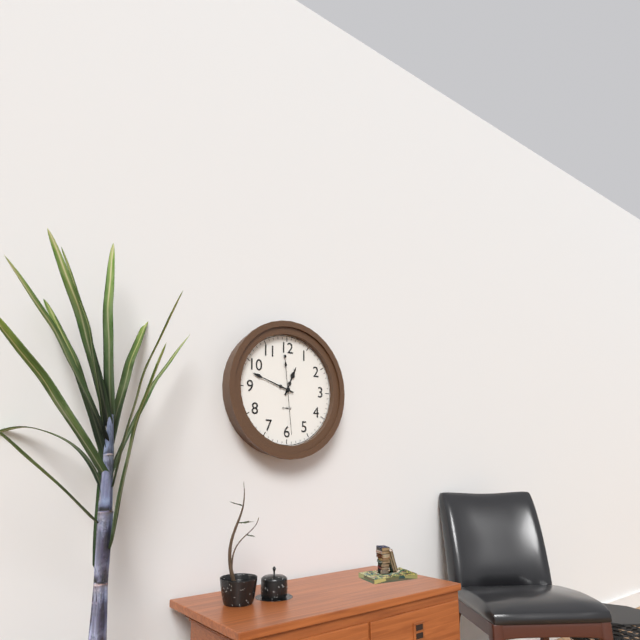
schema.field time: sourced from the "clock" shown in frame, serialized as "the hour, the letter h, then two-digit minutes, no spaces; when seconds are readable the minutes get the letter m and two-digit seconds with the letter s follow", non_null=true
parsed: 12h48m29s
